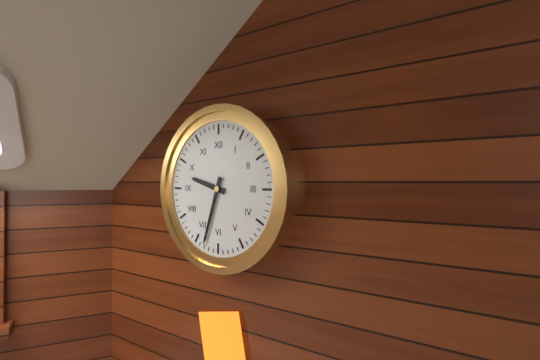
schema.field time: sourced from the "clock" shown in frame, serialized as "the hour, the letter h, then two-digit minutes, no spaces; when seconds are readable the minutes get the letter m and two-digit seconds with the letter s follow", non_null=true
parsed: 9h33
